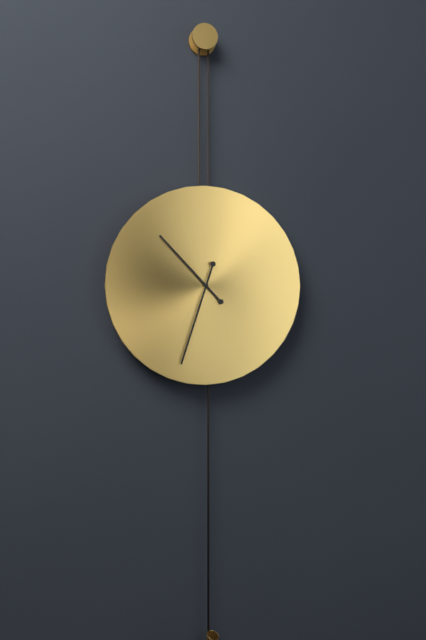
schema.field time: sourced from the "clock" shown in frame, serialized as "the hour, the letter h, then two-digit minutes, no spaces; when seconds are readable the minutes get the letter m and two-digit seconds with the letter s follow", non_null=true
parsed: 10h33
